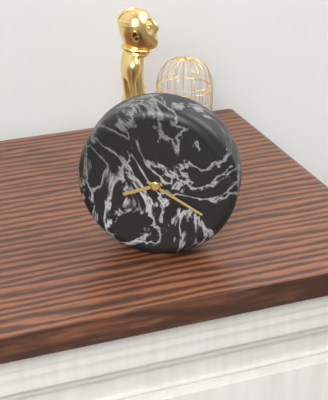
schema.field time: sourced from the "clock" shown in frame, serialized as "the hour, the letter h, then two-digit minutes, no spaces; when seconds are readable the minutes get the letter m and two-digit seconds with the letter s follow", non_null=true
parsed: 8h20
